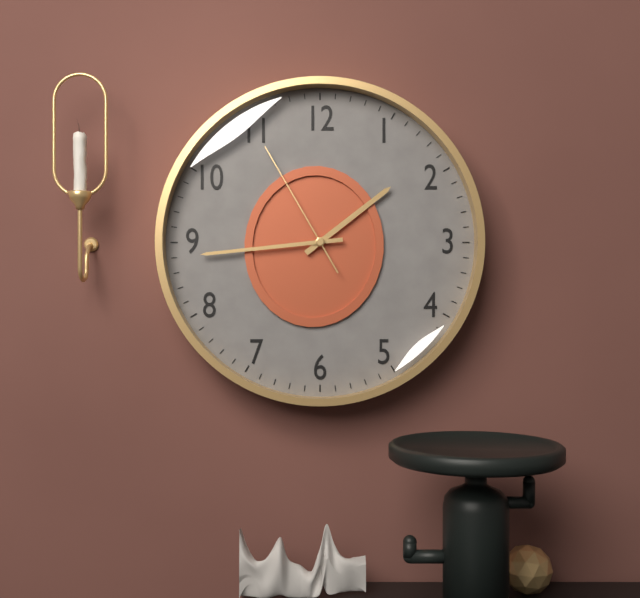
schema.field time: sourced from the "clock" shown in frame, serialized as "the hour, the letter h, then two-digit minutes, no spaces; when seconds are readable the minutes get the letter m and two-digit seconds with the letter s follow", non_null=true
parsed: 1h44m55s
